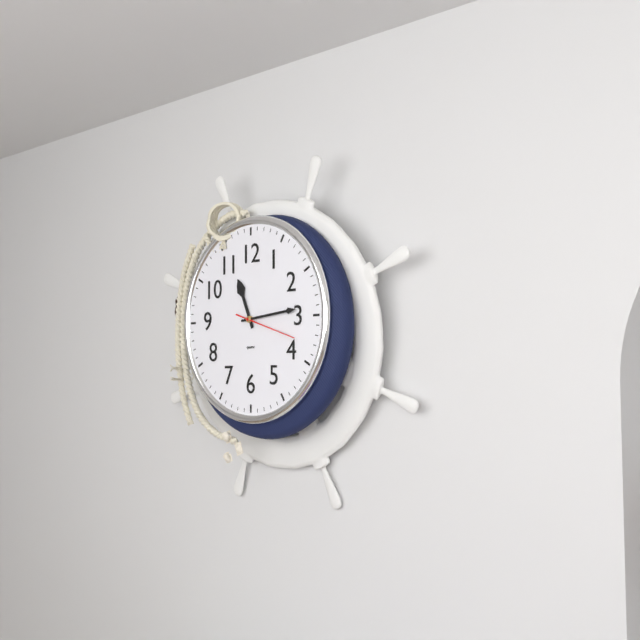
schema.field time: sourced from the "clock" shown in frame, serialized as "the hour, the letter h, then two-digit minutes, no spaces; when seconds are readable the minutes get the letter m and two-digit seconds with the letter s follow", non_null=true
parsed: 11h14m18s
